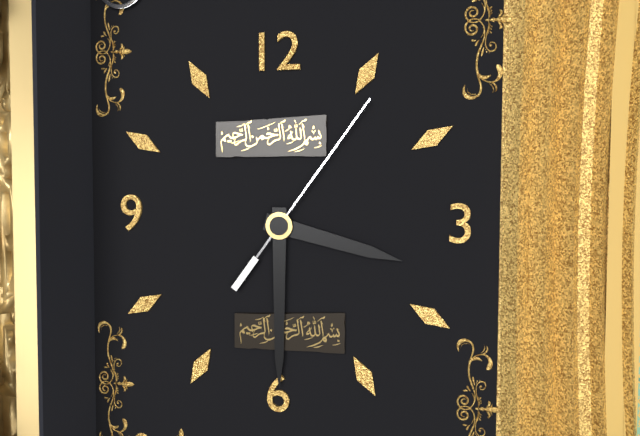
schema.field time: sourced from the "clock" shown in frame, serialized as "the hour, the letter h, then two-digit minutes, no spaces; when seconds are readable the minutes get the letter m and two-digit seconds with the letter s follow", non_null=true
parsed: 3h30m06s
